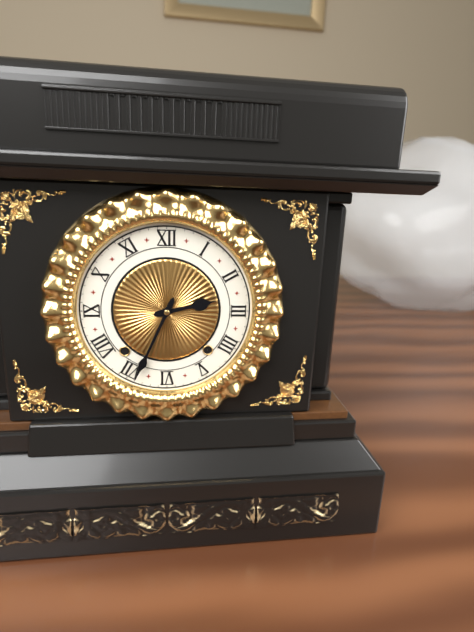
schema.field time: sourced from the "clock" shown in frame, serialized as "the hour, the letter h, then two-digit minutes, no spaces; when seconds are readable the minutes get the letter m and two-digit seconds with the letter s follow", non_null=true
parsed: 2h34
